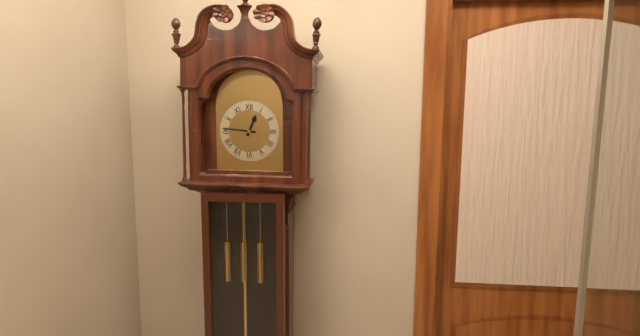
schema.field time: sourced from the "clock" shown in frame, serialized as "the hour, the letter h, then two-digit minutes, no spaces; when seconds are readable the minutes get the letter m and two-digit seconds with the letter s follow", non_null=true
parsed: 12h46
